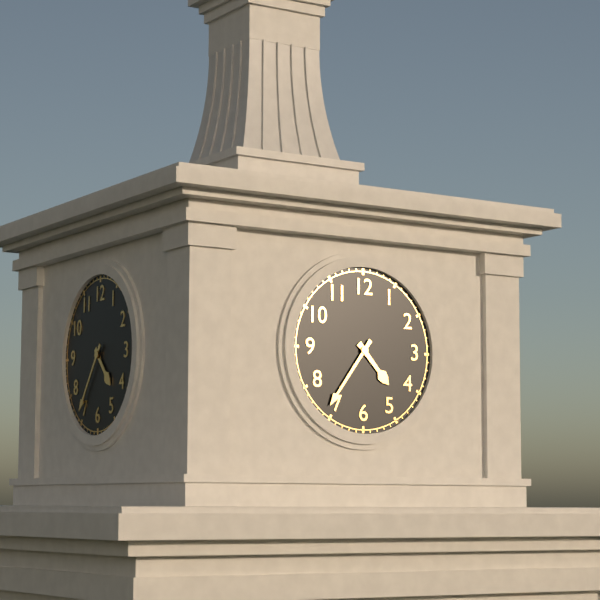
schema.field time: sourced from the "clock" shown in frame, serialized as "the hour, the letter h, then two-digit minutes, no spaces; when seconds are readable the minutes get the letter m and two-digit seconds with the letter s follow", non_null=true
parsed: 4h36
